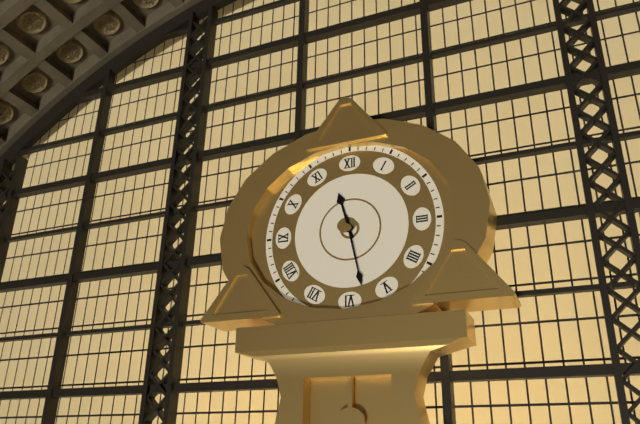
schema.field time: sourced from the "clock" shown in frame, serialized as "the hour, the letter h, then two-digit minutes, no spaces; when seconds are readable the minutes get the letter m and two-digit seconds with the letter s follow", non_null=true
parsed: 11h28
